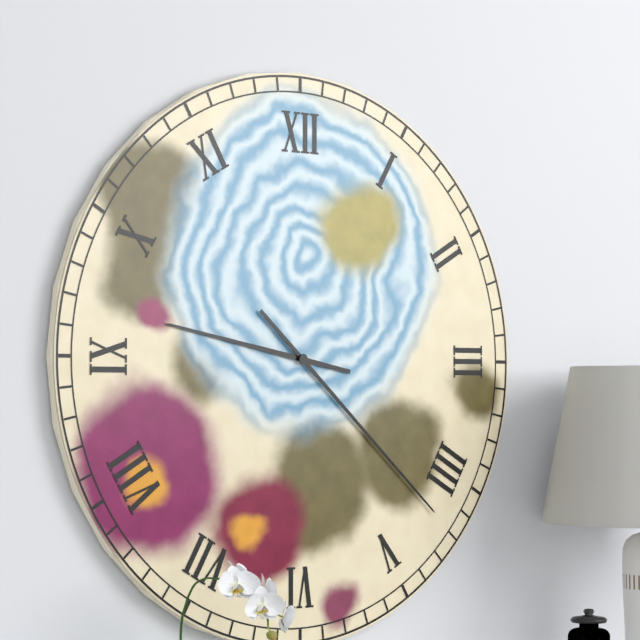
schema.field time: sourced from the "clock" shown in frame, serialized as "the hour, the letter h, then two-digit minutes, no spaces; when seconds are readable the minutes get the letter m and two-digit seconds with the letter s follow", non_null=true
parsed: 9h22
